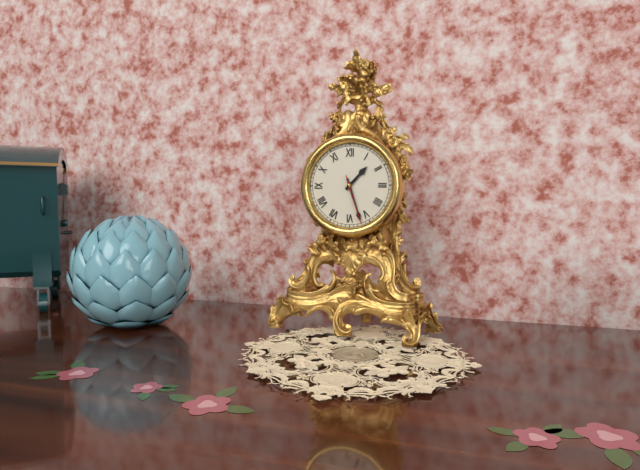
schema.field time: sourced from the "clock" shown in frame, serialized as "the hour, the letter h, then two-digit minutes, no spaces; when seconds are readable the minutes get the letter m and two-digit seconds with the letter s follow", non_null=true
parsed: 1h27m27s
